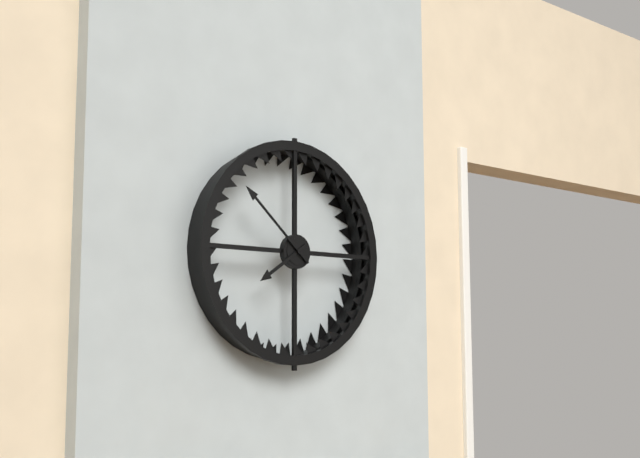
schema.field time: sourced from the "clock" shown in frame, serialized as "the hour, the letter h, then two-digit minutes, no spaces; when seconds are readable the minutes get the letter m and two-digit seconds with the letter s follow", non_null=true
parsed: 7h52
